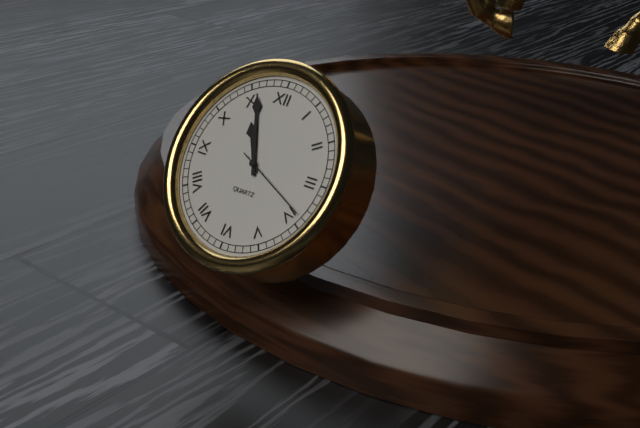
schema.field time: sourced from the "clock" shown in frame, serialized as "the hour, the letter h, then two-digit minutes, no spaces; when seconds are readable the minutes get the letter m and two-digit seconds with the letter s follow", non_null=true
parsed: 10h56m19s
